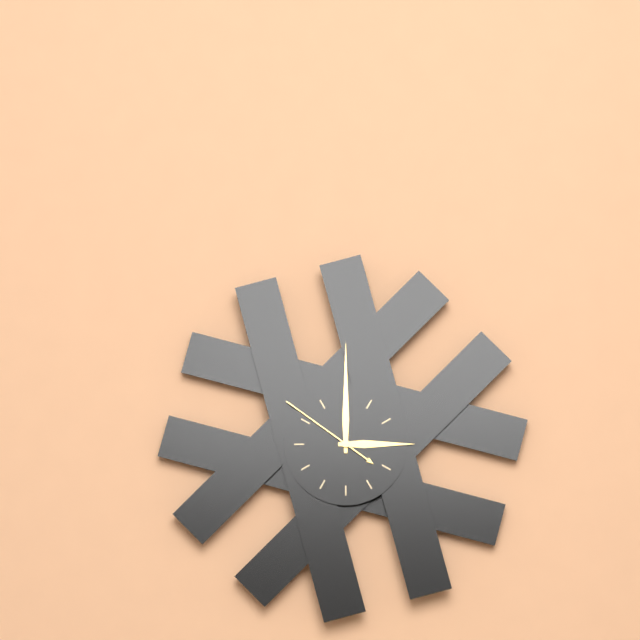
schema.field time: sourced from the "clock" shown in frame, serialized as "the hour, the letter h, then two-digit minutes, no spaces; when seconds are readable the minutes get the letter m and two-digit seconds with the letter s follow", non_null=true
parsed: 3h00m51s
